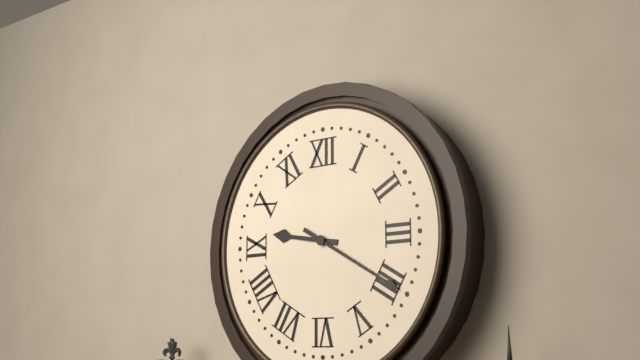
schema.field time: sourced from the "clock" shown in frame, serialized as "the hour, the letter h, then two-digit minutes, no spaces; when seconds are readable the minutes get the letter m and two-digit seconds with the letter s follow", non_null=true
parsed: 9h20
